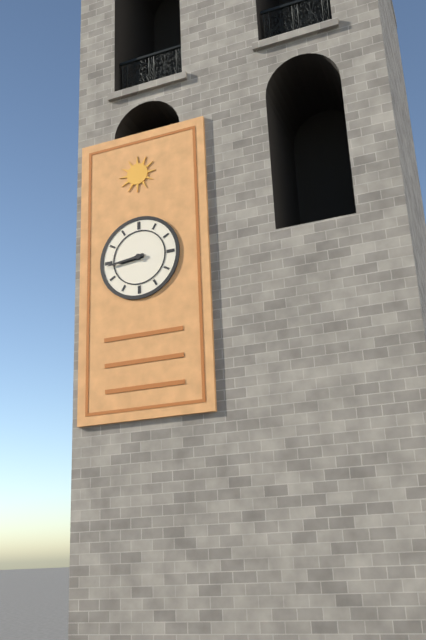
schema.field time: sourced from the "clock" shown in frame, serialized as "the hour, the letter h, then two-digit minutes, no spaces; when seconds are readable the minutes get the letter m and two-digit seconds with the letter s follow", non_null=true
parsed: 8h44
